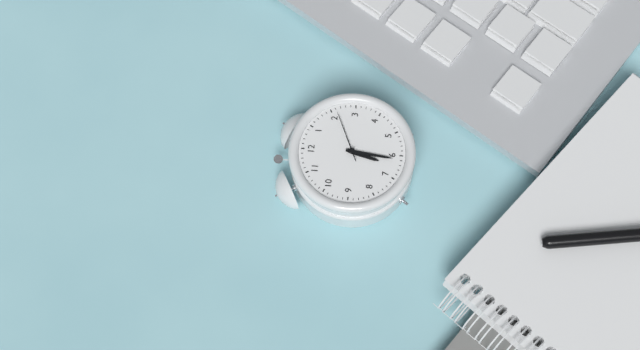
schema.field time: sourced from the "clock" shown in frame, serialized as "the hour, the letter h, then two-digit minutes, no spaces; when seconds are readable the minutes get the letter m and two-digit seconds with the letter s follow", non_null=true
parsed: 6h31m11s
